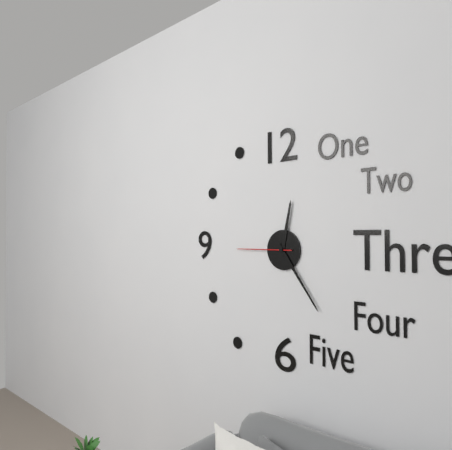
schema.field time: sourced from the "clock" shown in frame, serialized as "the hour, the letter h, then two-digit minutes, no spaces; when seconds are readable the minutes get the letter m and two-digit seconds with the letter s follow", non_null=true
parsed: 12h24m45s
